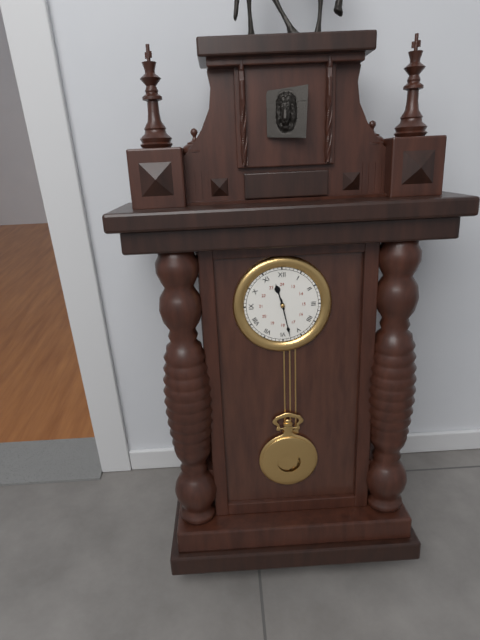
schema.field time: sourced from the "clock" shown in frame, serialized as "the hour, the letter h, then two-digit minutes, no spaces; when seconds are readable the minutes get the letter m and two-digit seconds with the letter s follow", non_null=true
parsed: 11h28
